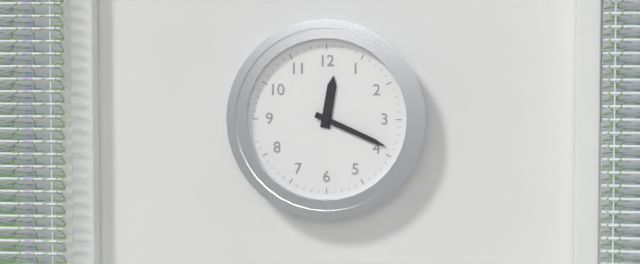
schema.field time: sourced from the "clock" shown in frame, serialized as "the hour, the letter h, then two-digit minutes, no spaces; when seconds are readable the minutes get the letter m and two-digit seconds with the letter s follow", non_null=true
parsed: 12h19
